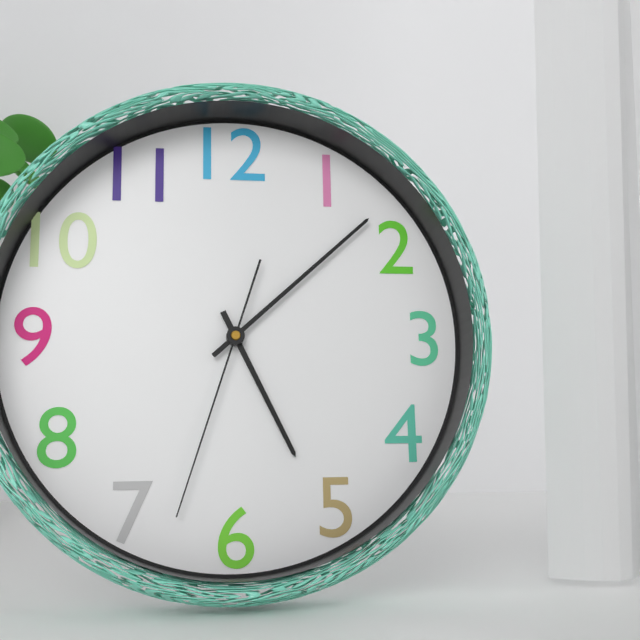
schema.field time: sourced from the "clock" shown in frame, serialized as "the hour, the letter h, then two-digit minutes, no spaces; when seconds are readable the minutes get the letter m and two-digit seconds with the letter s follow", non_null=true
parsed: 5h08m33s
